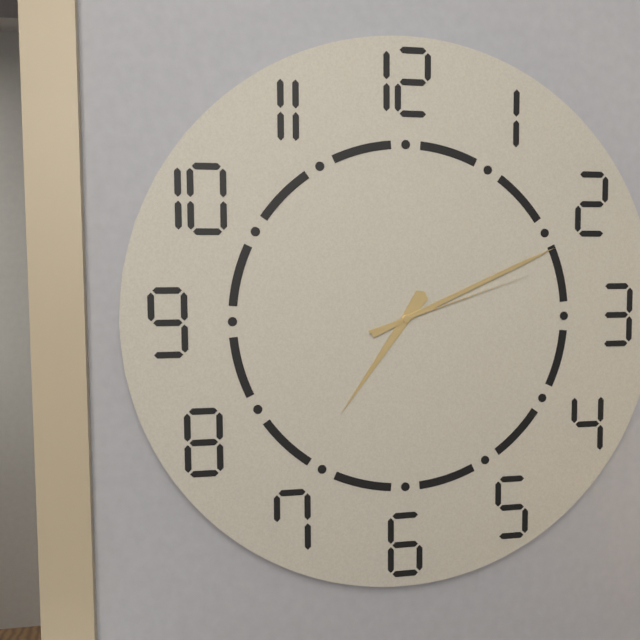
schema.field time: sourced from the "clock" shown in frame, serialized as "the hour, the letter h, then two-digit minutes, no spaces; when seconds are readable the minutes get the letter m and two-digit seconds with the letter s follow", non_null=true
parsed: 7h11m12s
